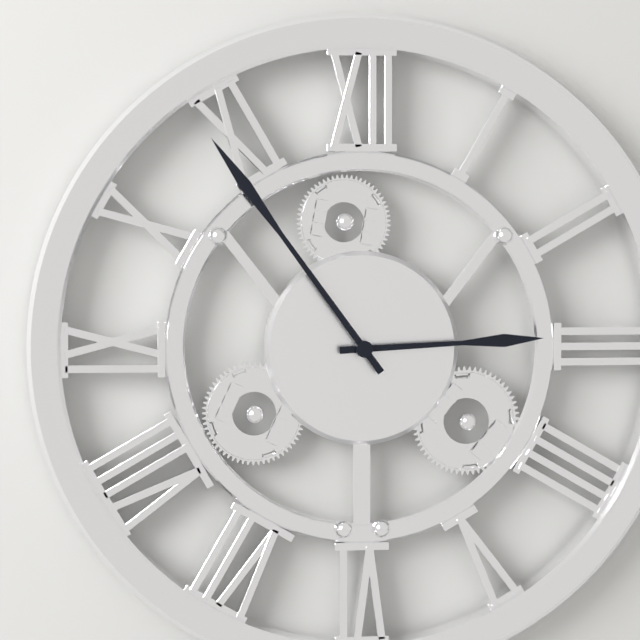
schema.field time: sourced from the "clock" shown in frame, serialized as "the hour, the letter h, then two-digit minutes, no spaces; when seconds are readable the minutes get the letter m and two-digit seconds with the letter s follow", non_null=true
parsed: 2h54
